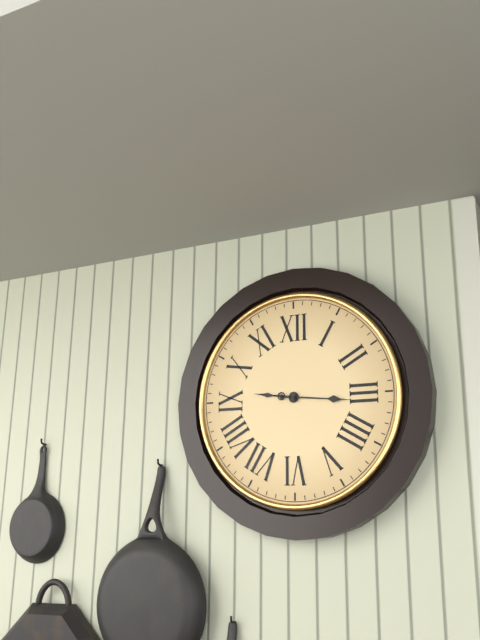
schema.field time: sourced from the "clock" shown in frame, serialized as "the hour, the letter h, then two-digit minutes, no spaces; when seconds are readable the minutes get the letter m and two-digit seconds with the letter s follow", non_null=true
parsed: 9h16
